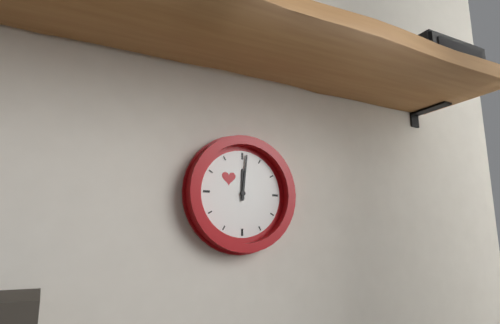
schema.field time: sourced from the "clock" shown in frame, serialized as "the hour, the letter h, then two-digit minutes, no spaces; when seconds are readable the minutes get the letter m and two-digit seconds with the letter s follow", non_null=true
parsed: 12h01
